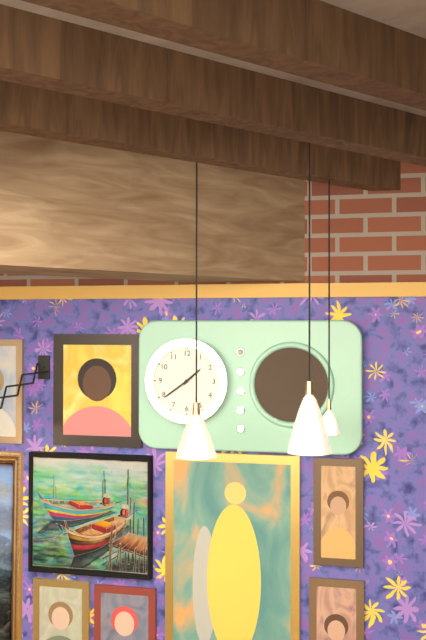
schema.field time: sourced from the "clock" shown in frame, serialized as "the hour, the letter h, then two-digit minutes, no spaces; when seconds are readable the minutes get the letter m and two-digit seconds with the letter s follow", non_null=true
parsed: 1h39
